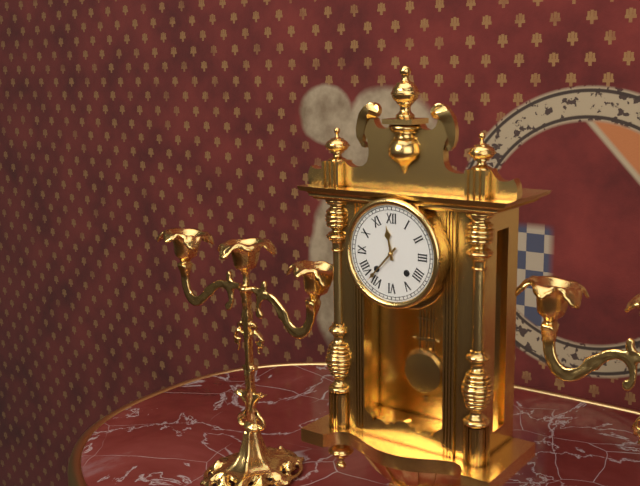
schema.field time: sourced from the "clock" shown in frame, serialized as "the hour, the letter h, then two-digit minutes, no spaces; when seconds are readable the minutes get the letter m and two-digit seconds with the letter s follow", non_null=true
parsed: 11h37
